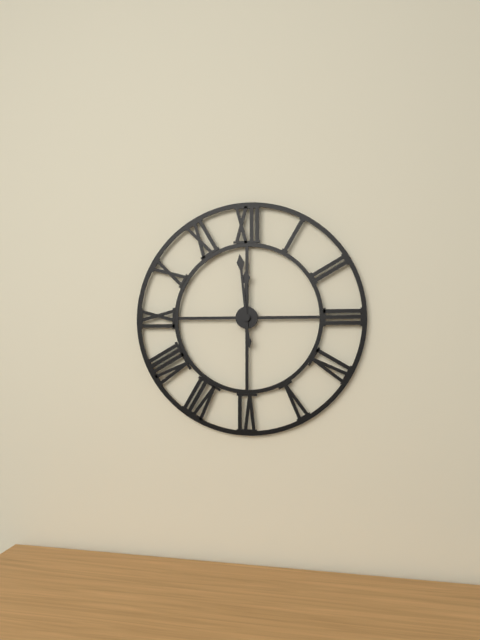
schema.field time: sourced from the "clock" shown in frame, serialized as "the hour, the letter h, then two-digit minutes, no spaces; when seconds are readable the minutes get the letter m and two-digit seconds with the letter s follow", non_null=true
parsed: 11h59
